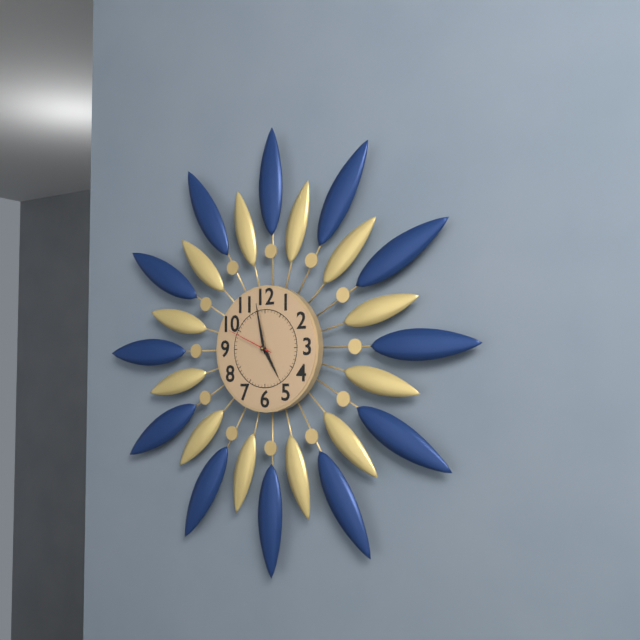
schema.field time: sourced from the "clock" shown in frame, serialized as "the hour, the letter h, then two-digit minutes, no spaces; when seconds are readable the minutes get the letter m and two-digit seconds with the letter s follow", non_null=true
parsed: 4h58m49s
